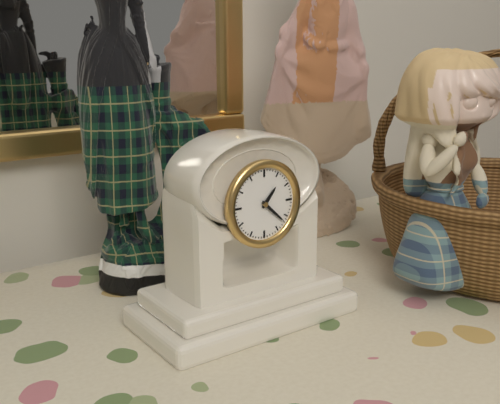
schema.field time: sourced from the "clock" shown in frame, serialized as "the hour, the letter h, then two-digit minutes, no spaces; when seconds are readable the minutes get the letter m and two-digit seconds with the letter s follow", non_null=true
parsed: 1h22
